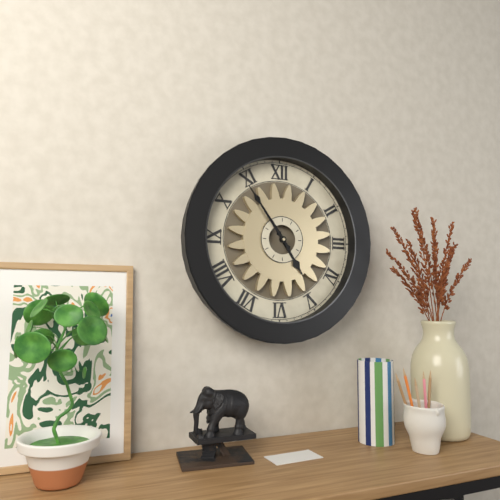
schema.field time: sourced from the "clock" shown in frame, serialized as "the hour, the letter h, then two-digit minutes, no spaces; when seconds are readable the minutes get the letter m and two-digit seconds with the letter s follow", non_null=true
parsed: 4h54
